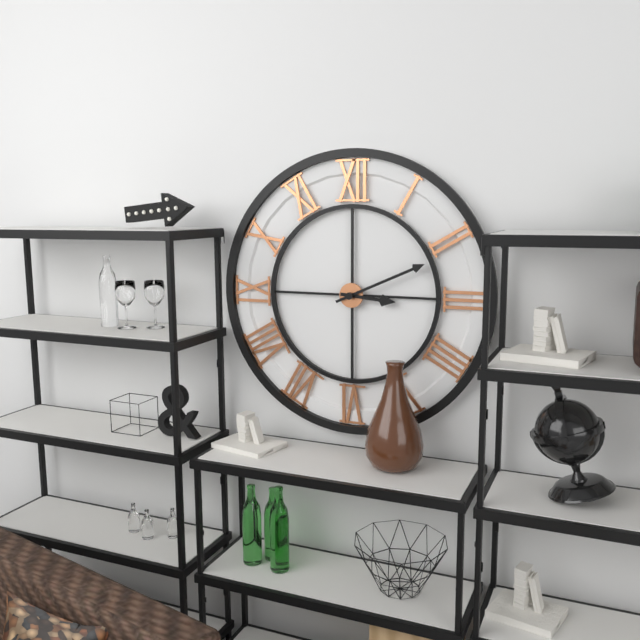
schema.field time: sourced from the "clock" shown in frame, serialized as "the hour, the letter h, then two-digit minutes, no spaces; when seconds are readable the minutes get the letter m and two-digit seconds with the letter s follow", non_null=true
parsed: 3h11
